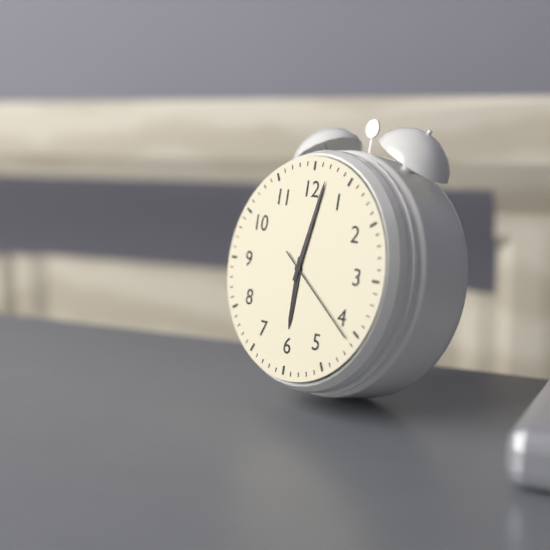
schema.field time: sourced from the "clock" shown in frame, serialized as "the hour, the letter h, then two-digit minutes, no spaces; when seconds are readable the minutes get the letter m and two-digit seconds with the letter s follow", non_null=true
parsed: 6h02m21s
